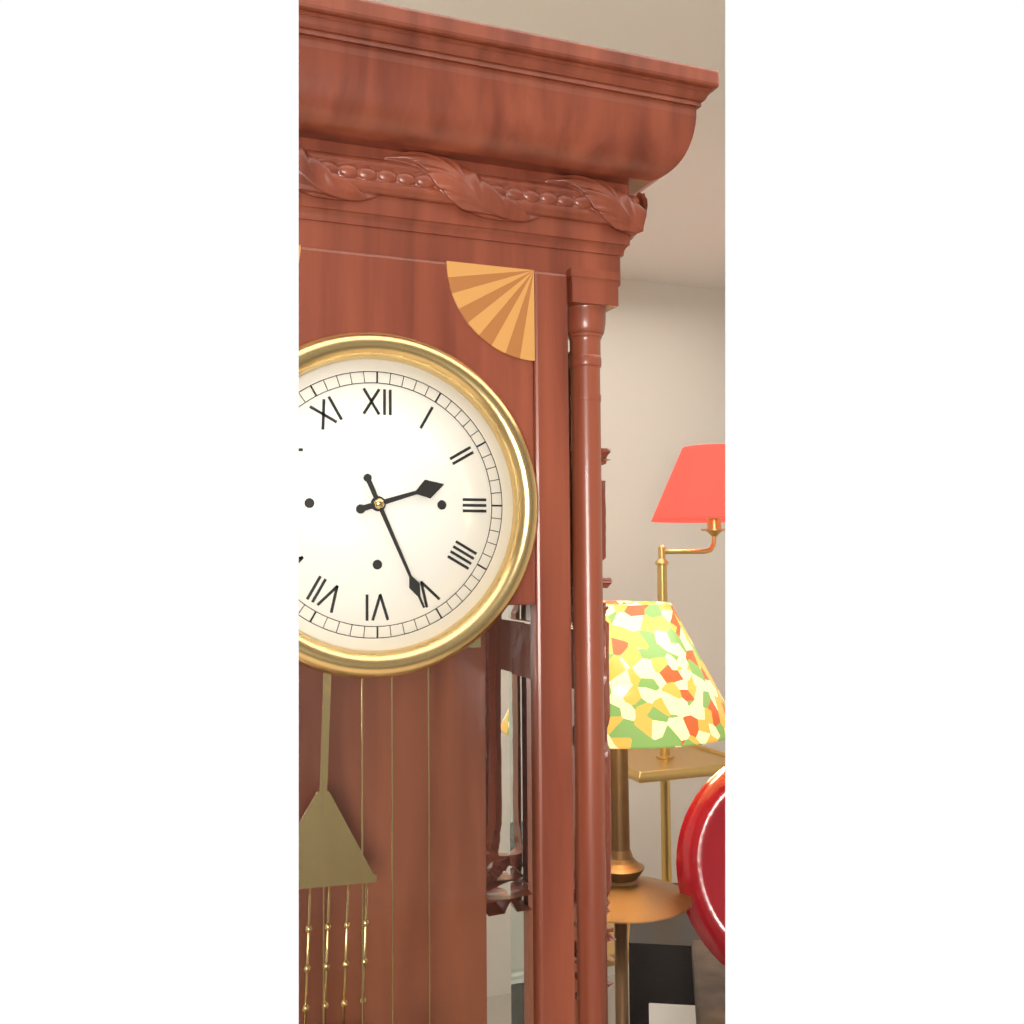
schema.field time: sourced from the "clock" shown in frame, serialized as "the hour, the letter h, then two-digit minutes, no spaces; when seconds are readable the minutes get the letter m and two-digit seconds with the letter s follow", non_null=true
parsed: 2h26
